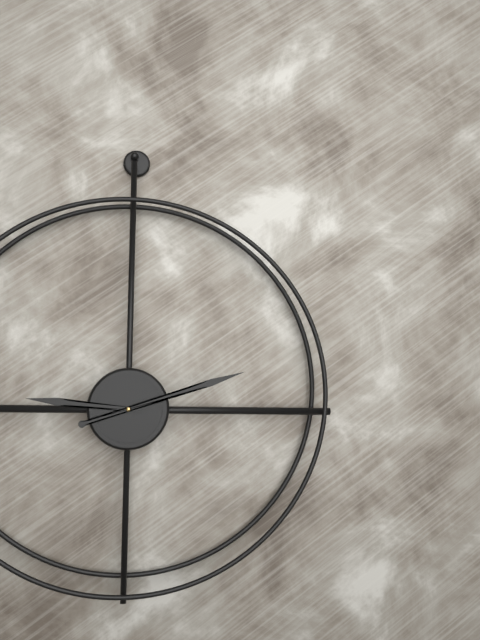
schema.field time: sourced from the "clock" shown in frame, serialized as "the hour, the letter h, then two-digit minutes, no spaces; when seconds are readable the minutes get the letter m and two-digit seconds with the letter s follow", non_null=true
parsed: 9h12
